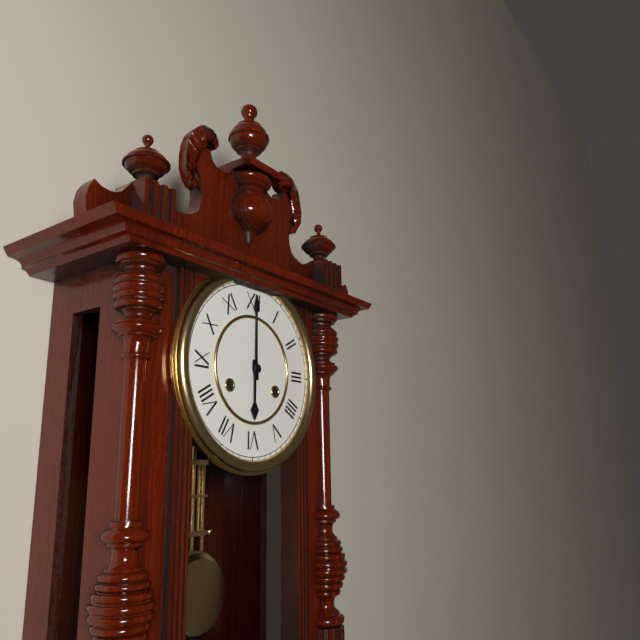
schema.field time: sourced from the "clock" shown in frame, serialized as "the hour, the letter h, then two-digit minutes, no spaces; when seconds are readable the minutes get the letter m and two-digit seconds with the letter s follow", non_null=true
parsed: 6h00
